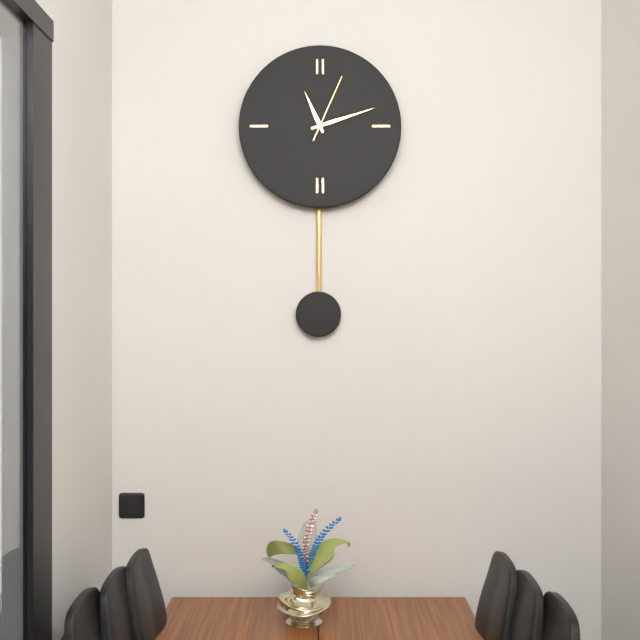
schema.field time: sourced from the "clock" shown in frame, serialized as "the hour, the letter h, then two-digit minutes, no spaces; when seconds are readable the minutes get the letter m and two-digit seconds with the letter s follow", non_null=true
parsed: 11h12m04s
